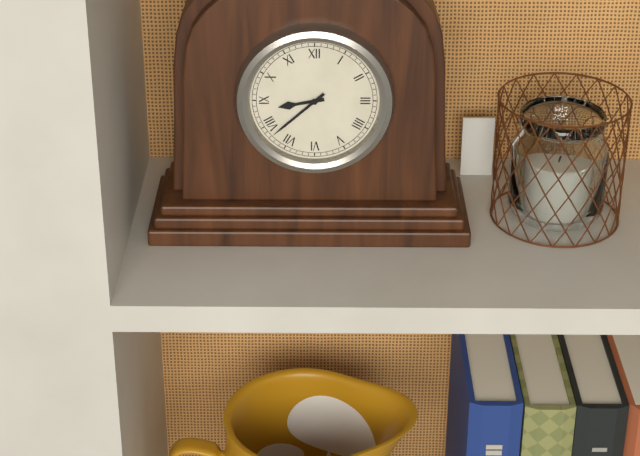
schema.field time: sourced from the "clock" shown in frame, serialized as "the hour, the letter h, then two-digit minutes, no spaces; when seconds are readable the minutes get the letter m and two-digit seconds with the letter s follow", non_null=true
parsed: 8h38
